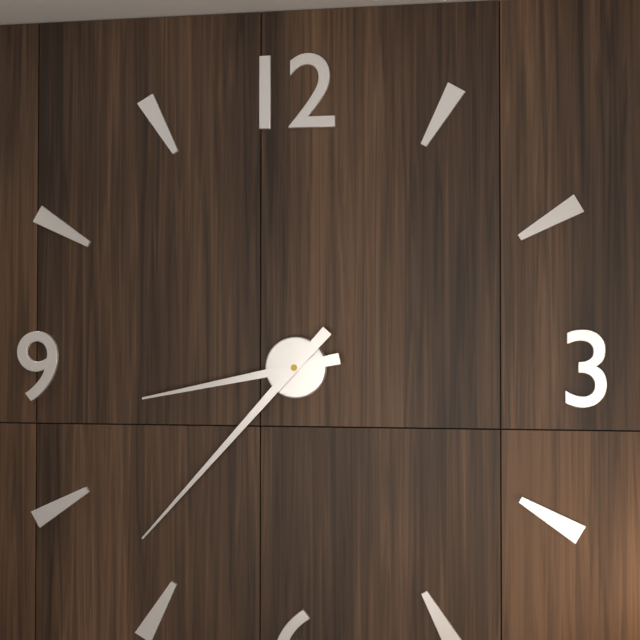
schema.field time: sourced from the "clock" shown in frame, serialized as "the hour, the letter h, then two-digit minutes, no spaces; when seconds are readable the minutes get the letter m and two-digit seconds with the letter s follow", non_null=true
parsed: 8h37
